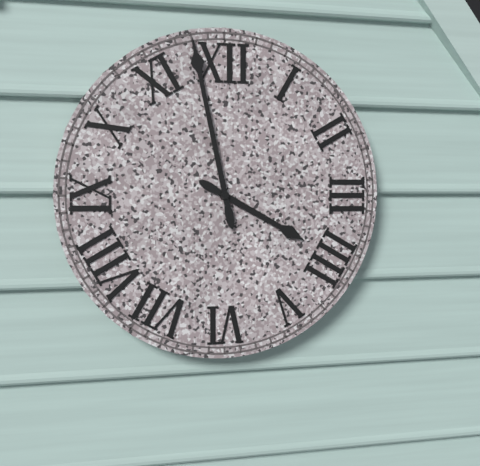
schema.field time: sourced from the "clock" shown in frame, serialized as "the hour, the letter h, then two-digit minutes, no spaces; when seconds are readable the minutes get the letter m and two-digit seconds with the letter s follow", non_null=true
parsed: 3h58
